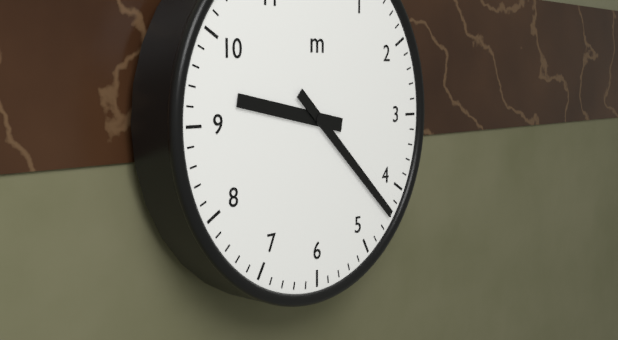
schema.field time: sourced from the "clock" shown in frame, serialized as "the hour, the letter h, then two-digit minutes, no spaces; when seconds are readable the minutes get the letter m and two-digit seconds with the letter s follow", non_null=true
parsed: 9h22
